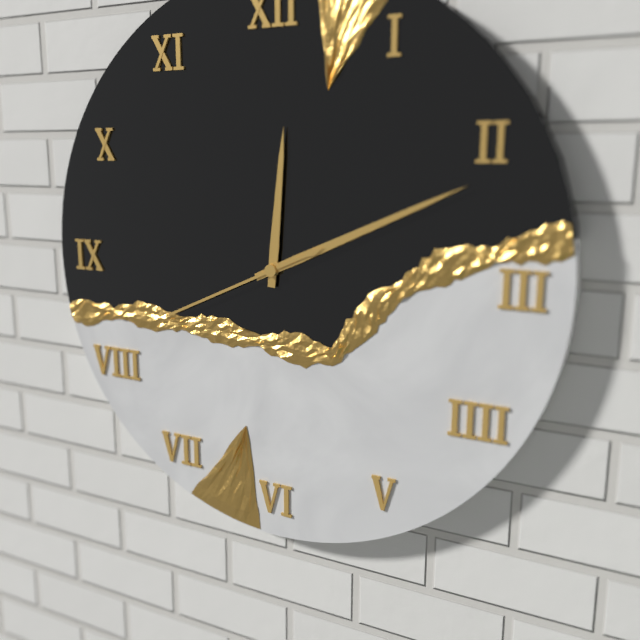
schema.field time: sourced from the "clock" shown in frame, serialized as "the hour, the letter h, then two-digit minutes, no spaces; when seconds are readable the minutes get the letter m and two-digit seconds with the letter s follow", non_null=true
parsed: 12h11m41s
